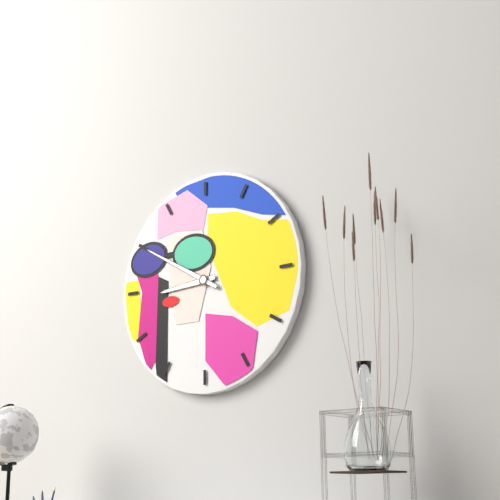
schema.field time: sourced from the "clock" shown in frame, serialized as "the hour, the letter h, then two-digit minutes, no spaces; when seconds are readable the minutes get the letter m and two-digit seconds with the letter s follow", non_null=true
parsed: 8h50
